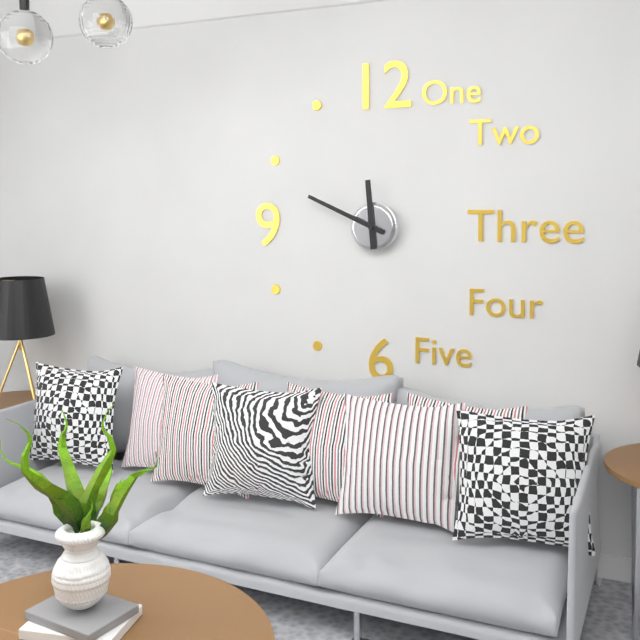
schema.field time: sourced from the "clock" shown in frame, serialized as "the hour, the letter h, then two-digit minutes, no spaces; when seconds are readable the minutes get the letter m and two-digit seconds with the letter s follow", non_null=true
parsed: 11h49
